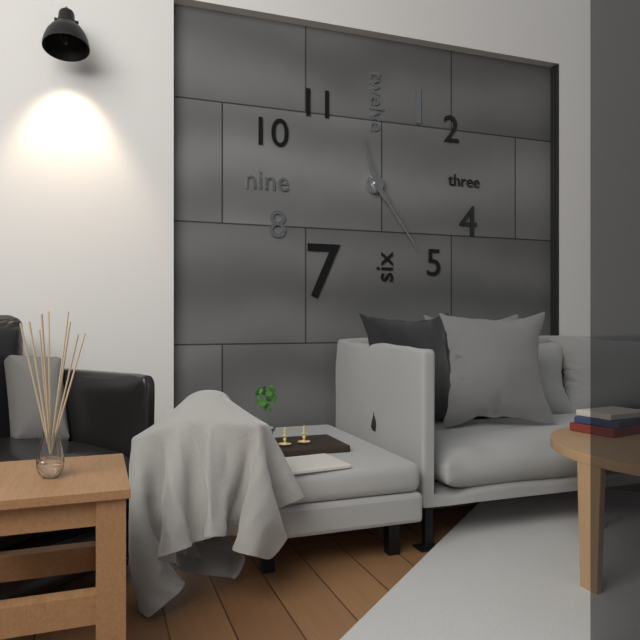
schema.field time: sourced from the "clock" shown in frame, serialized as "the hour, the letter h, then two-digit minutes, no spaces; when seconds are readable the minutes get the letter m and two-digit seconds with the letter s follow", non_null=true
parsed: 11h24
